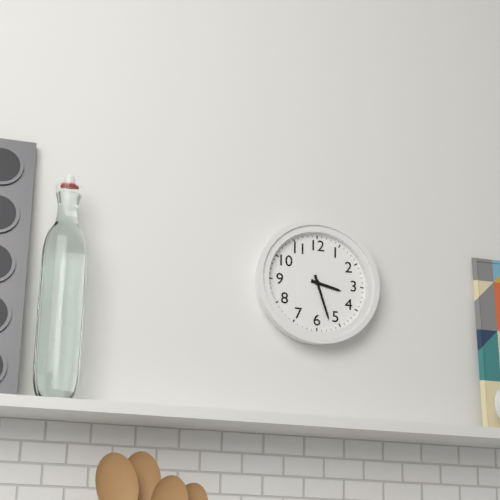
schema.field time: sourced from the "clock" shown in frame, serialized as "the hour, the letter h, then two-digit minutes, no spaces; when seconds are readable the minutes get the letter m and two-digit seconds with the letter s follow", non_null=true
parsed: 3h27
